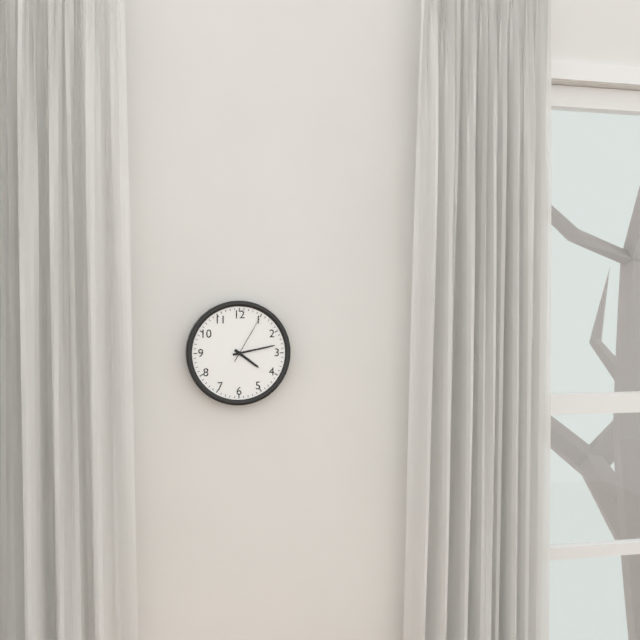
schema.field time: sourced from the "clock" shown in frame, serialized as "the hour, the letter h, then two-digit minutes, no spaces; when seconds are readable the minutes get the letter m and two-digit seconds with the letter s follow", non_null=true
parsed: 4h13
